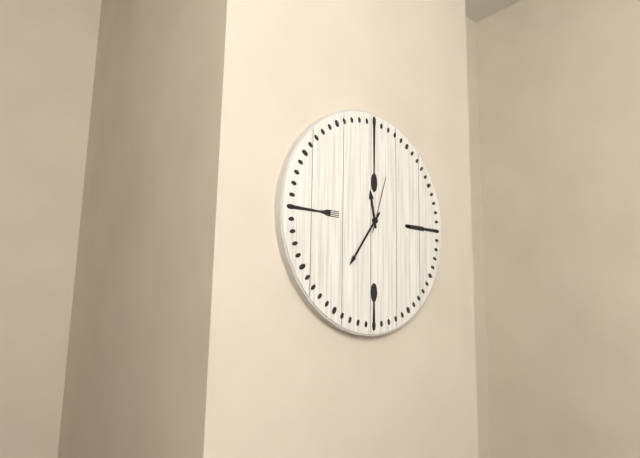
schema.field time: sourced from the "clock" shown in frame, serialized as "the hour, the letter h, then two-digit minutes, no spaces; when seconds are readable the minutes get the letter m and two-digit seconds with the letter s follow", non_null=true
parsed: 11h36m03s
